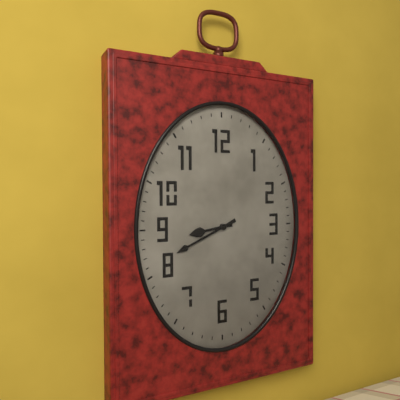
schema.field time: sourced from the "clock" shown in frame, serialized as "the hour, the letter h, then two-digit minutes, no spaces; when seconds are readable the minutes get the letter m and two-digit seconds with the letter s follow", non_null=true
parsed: 8h41
